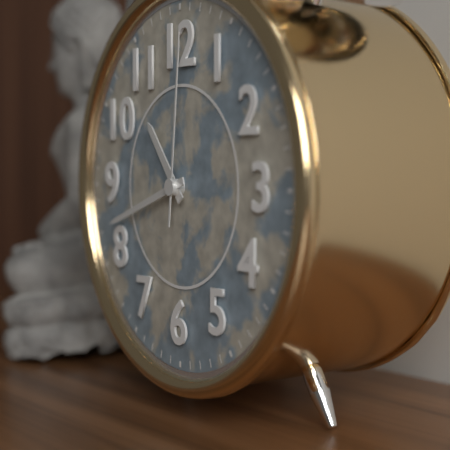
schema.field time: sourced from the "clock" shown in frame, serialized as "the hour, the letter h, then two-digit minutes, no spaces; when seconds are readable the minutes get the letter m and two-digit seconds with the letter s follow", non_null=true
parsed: 10h42m01s
